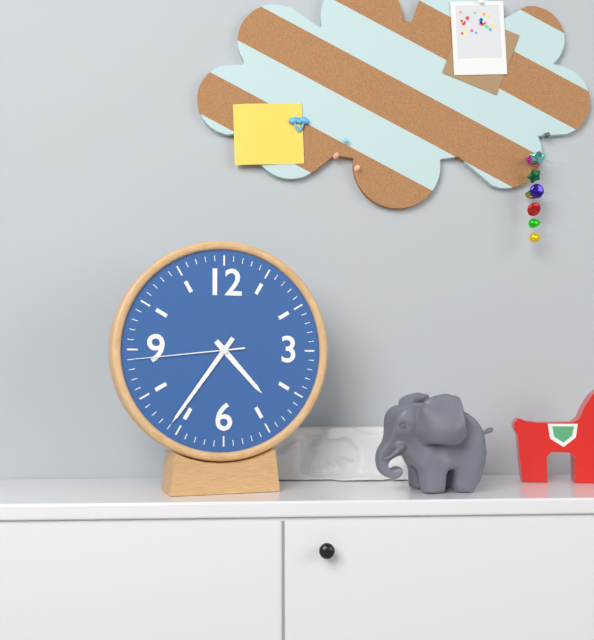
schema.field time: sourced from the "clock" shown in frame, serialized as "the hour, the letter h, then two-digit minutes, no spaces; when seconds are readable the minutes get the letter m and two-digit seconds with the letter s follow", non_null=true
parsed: 4h36m44s
